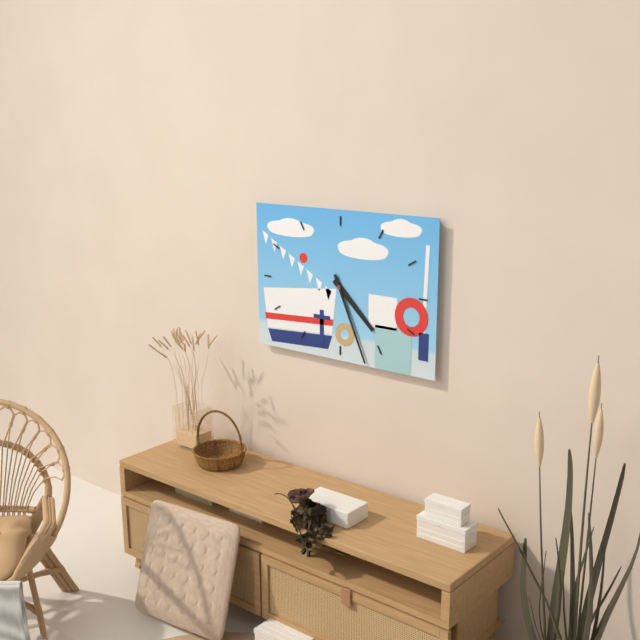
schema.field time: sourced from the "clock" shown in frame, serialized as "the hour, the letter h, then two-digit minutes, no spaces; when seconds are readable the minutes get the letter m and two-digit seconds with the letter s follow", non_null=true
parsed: 4h26
